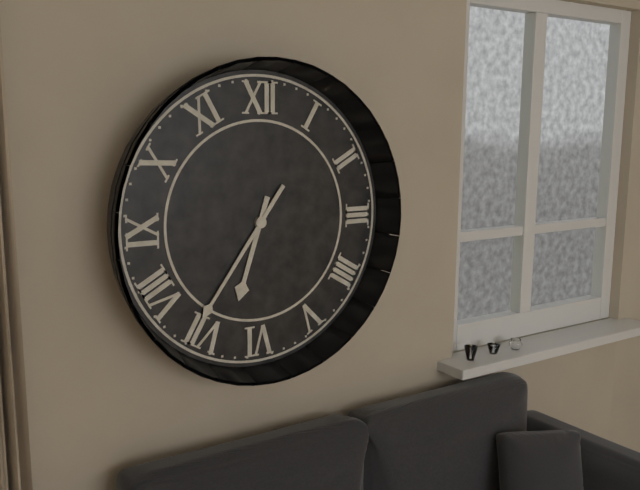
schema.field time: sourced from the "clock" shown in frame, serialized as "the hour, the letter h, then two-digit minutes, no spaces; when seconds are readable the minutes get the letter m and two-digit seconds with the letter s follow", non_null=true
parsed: 6h36
